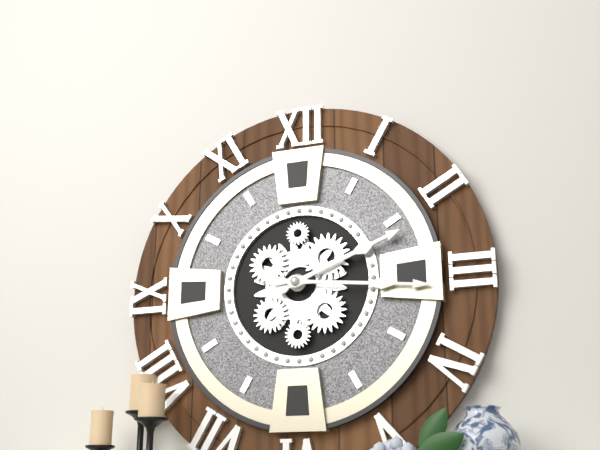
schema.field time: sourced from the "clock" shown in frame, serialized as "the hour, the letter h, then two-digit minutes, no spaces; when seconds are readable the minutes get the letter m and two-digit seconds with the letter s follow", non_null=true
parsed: 2h16
